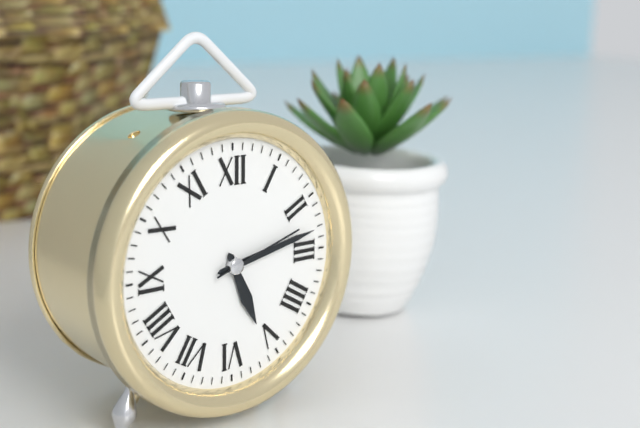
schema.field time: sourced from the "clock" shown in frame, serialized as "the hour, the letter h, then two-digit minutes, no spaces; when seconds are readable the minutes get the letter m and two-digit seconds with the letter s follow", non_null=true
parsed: 5h13m12s
